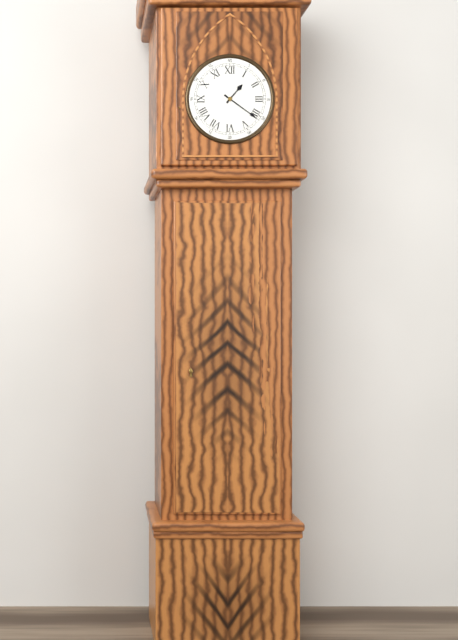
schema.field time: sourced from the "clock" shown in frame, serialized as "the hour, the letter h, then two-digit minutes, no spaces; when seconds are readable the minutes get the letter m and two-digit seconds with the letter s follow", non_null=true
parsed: 1h21
